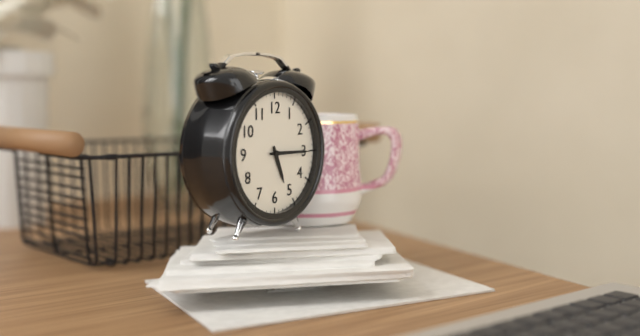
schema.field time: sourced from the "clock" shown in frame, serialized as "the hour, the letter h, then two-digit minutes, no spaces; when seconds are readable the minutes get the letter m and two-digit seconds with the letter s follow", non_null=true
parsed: 5h15
